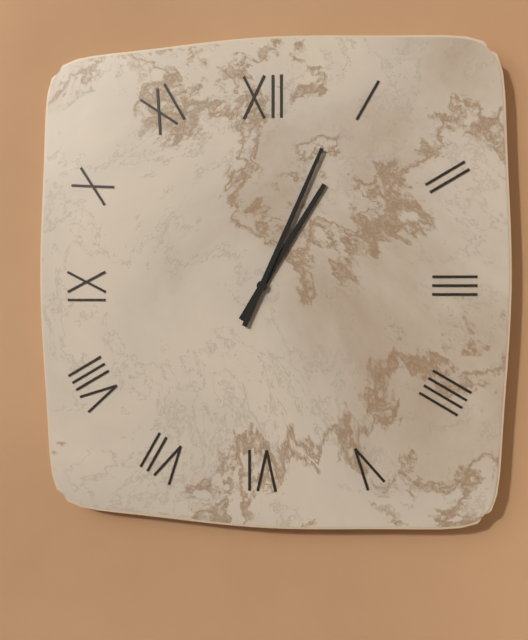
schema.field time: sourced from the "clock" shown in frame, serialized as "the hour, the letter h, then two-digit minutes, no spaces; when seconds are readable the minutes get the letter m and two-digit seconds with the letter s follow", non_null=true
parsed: 1h04
